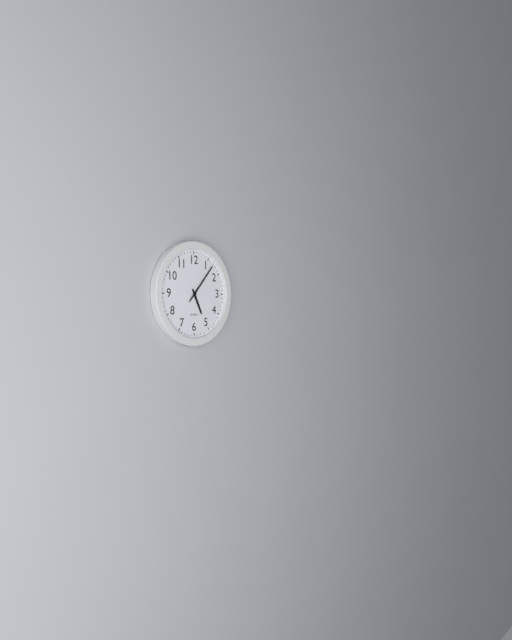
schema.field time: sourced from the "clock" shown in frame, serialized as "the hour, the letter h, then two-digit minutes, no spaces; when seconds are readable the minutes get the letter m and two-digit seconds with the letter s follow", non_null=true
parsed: 5h07
